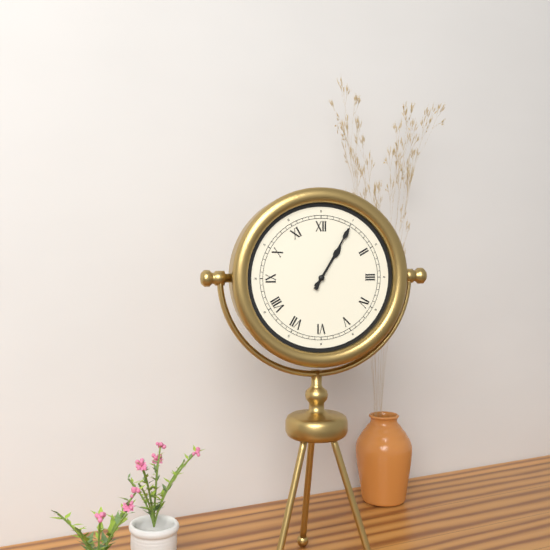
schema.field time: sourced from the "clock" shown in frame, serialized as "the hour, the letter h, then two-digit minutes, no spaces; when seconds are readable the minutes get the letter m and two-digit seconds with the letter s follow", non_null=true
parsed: 1h05
